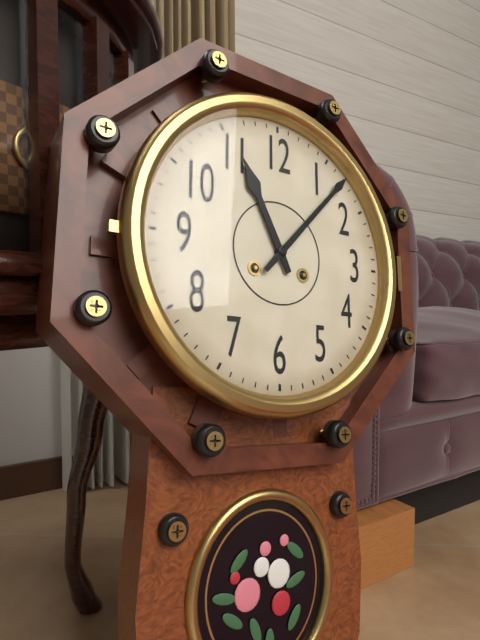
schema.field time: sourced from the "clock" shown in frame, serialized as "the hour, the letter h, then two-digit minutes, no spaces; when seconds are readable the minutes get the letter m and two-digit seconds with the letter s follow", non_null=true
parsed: 11h07
